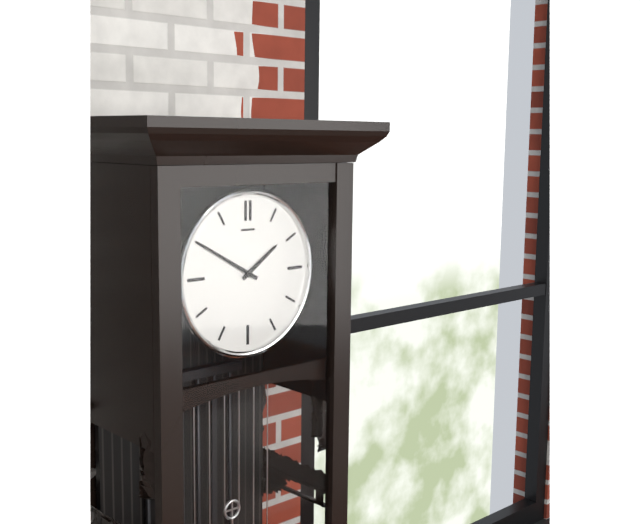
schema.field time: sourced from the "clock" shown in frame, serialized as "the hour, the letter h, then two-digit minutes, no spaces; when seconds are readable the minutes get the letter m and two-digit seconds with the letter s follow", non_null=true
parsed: 1h50
